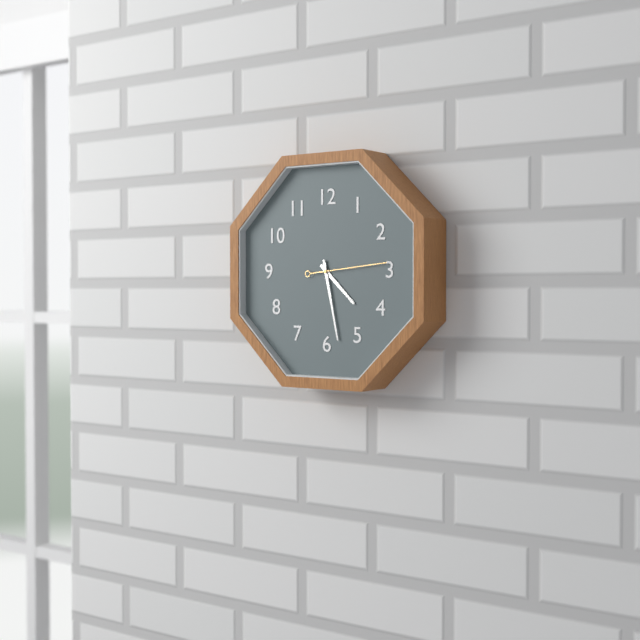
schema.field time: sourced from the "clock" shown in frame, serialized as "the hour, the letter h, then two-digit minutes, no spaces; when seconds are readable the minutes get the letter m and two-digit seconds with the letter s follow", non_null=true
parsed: 4h28m14s
